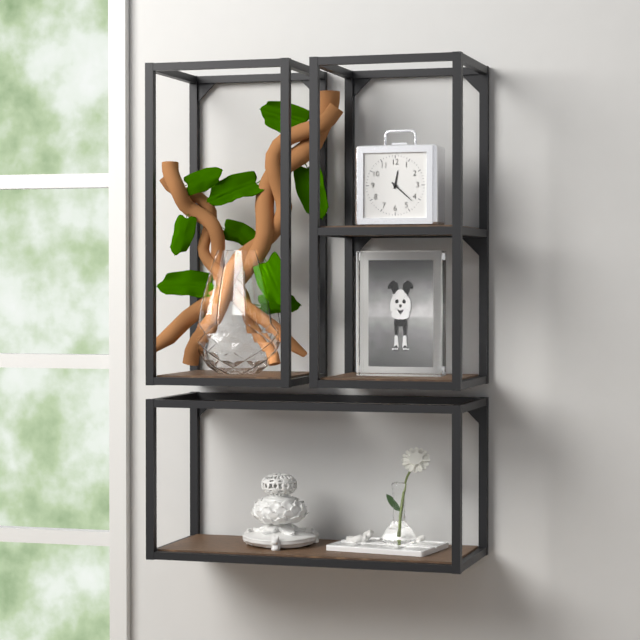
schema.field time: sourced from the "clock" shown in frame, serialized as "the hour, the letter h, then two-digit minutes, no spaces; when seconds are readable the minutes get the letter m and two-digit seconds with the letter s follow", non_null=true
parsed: 12h22
